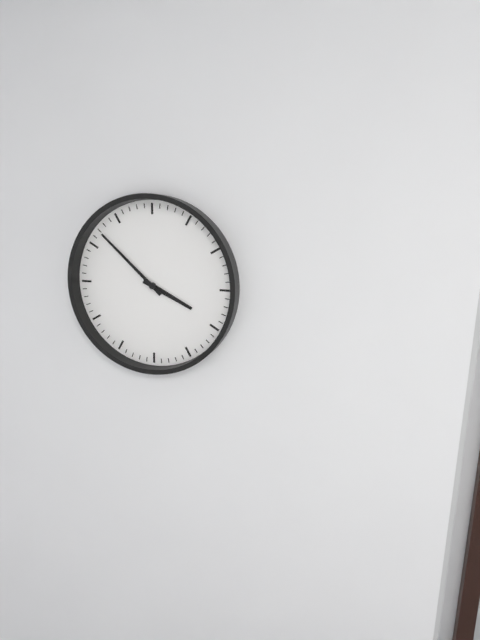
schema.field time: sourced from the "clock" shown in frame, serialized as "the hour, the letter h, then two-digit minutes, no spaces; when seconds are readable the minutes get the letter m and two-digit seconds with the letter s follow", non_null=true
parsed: 3h52
